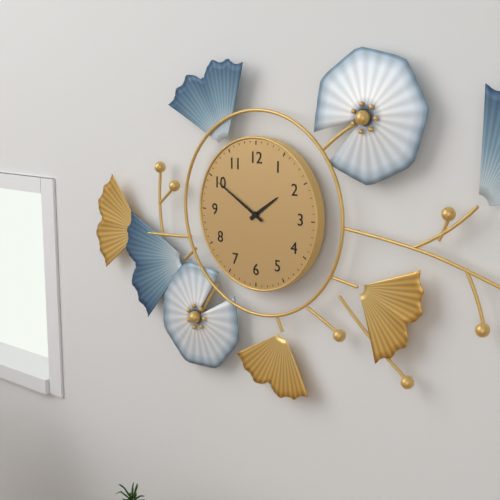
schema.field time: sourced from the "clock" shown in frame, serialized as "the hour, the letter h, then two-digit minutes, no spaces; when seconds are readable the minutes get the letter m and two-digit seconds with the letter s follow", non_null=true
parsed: 1h50
